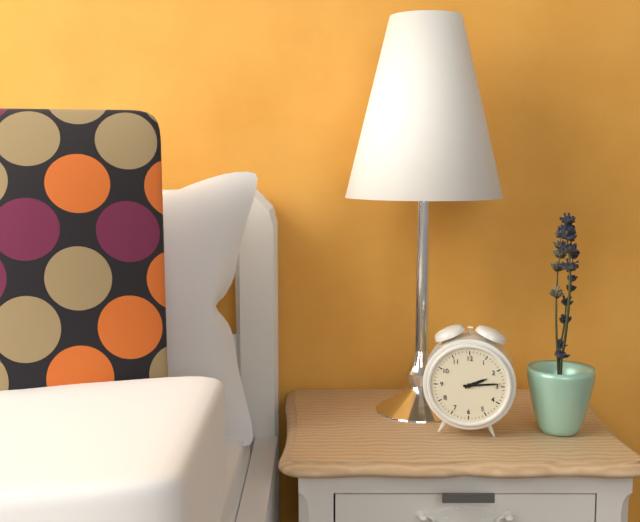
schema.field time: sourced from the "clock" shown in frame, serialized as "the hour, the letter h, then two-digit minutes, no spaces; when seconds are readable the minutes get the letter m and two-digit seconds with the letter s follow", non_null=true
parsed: 2h14
